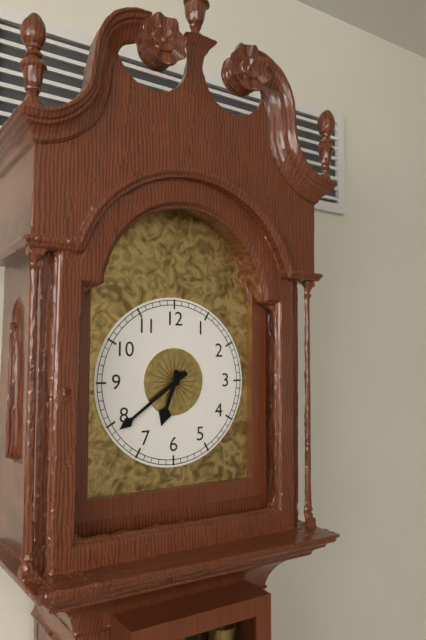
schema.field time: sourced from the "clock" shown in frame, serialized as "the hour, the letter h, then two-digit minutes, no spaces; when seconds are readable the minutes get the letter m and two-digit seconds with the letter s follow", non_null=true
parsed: 6h39
